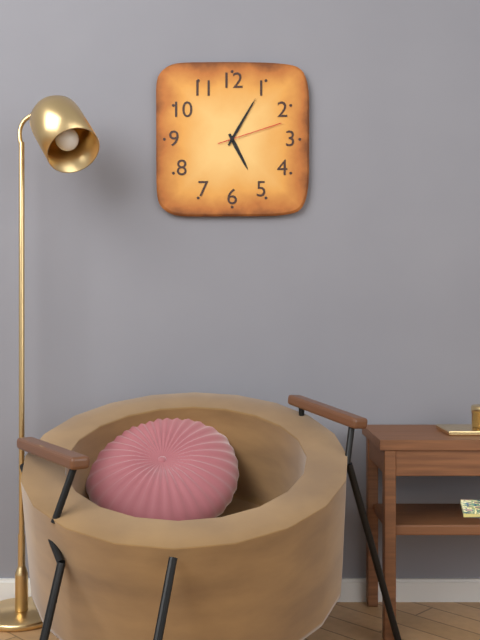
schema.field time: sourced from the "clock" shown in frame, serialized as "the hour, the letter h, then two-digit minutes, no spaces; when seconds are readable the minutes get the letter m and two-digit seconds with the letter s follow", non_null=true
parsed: 5h05m12s
